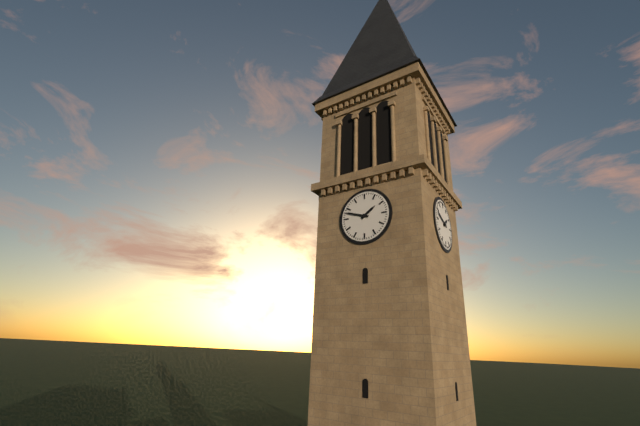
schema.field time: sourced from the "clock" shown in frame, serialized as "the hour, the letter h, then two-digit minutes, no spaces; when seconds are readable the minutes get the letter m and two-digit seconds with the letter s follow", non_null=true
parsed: 1h48
